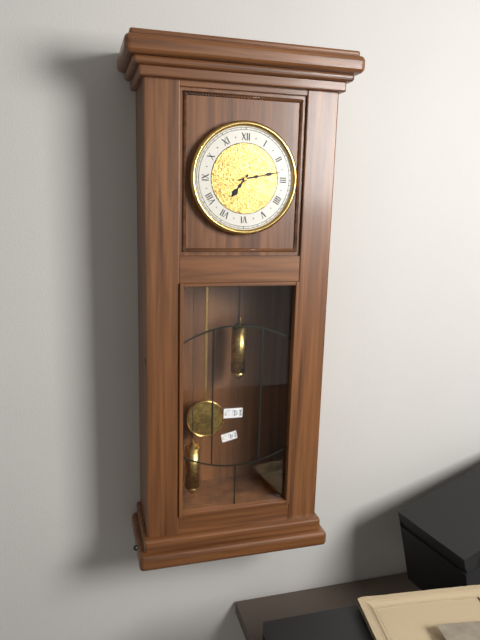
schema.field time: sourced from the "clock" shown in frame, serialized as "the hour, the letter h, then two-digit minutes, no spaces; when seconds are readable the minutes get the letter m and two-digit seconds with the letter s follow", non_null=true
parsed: 7h13
